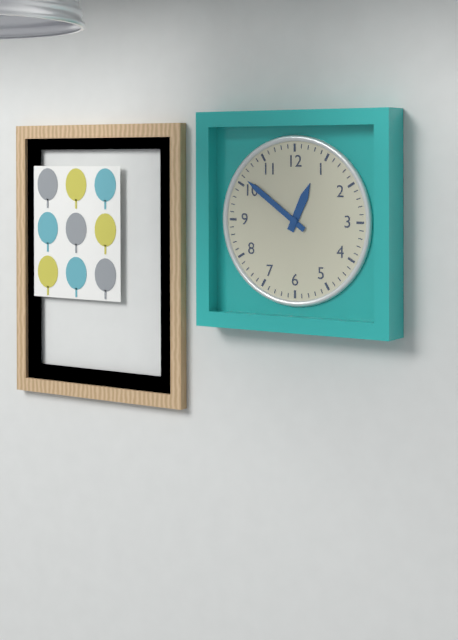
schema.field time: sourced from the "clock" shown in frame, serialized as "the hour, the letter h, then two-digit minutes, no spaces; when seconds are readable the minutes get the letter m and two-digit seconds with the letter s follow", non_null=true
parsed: 12h51
